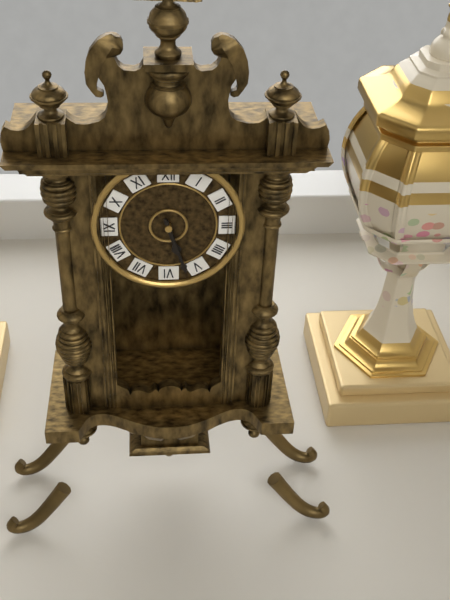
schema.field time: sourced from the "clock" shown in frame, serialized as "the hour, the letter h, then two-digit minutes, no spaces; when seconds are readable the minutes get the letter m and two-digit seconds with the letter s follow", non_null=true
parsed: 5h27
